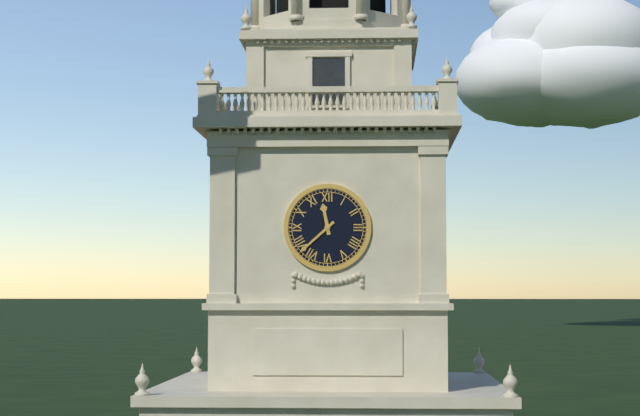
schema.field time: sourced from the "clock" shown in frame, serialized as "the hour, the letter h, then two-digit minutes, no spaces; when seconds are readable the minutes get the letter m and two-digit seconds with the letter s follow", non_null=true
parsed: 11h38
